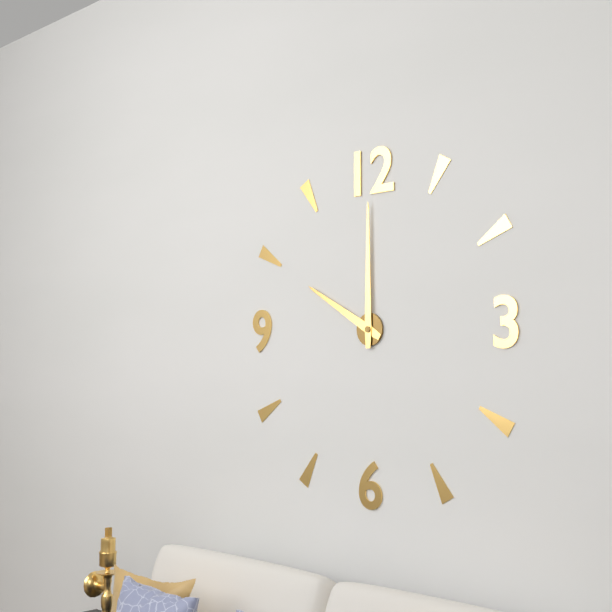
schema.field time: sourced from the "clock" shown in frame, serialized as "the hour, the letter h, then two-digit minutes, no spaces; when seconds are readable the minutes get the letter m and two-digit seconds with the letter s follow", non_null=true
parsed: 10h00
